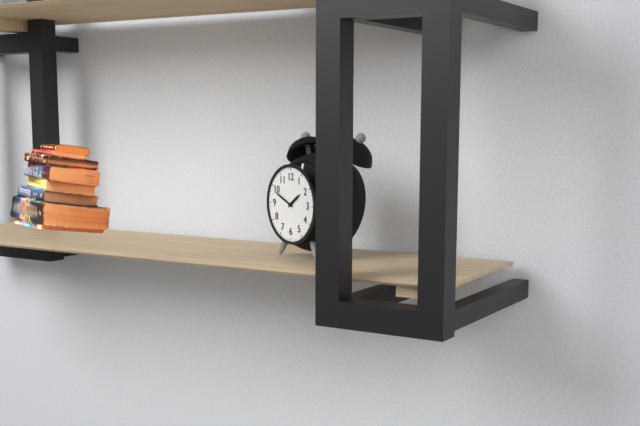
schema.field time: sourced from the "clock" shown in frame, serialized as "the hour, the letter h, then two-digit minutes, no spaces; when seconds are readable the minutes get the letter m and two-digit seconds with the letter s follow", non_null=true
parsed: 1h49
